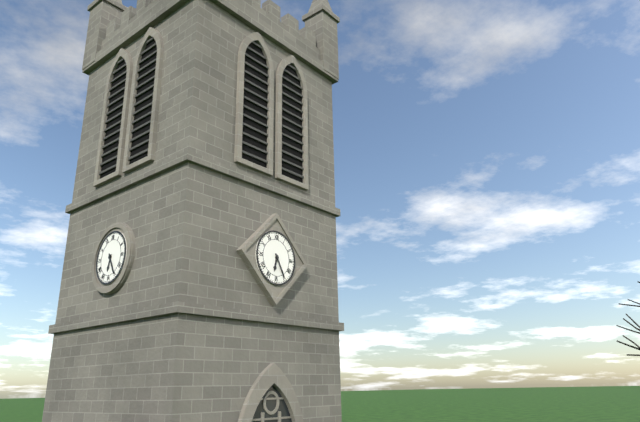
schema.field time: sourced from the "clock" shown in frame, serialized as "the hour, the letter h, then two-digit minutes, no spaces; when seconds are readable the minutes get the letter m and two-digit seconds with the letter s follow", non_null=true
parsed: 6h25
